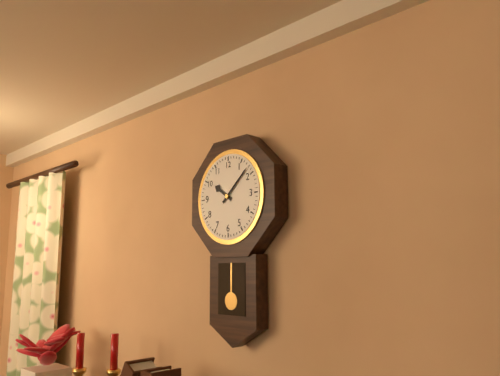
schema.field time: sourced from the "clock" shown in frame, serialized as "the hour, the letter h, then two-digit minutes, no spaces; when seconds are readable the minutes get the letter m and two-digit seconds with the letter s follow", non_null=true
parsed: 10h08
